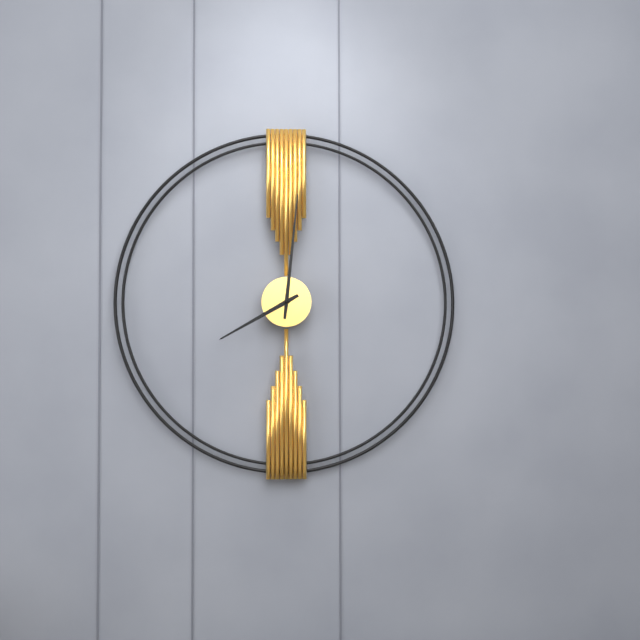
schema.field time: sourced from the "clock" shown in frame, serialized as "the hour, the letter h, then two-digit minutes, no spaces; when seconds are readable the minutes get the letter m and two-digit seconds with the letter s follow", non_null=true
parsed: 8h01
